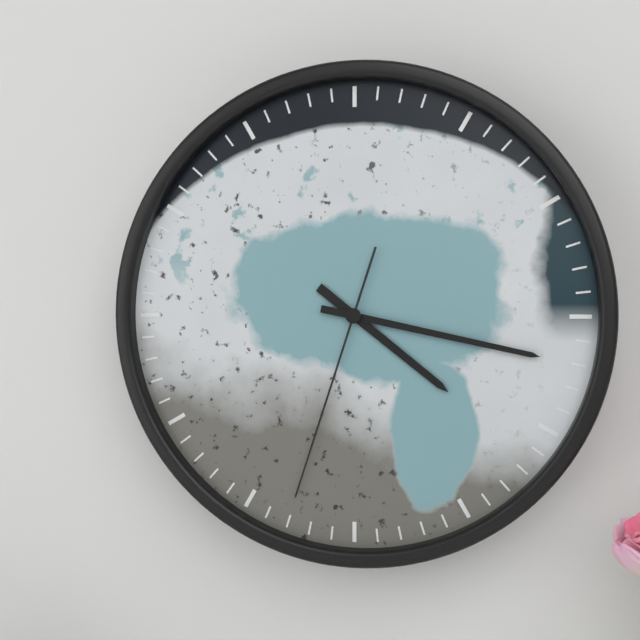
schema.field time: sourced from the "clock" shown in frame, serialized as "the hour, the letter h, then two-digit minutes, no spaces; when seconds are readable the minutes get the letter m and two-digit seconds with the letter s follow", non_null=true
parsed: 4h17m33s
